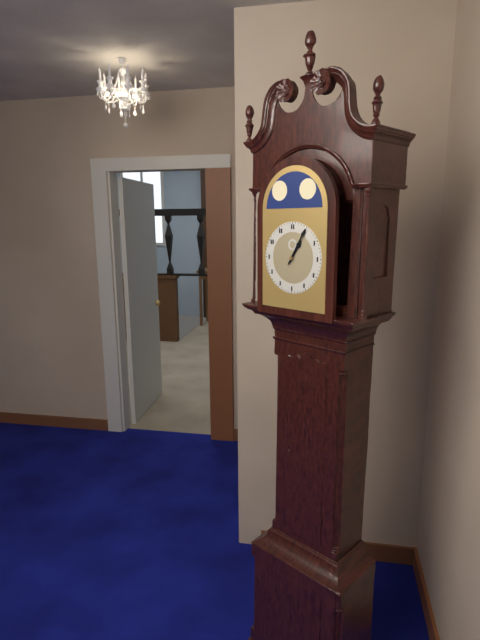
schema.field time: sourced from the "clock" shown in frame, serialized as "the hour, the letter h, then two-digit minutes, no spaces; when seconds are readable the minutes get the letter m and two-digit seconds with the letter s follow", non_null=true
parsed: 1h05
